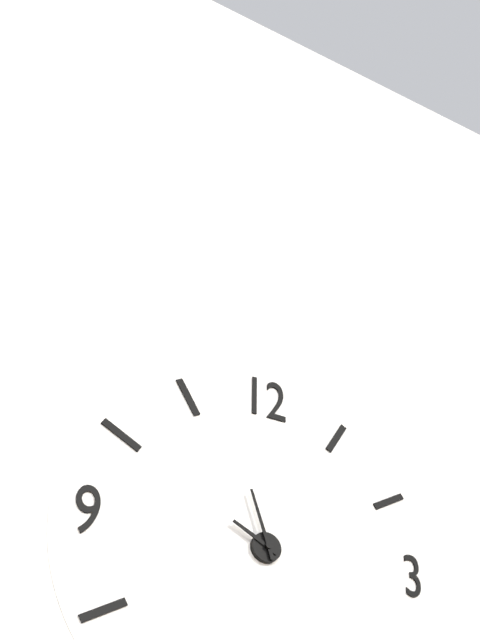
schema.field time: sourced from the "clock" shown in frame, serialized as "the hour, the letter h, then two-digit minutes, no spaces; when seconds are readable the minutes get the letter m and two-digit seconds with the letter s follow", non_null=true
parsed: 9h57
